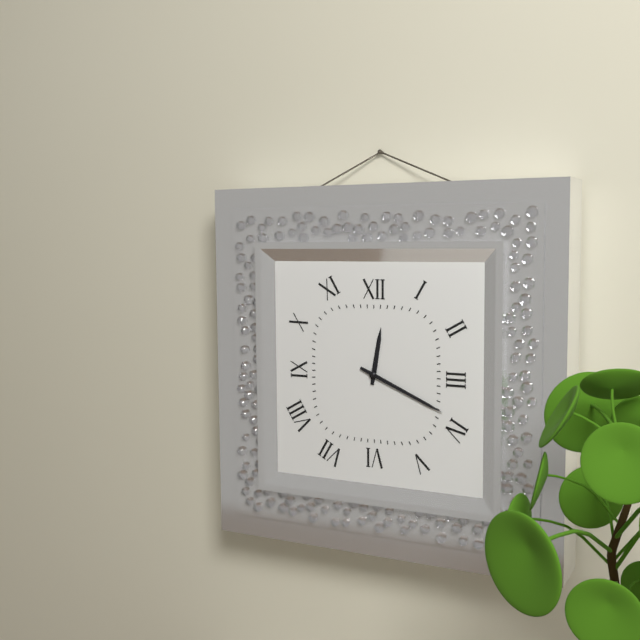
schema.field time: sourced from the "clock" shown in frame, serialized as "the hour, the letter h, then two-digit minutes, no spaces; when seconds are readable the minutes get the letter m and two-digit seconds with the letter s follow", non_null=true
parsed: 12h19
